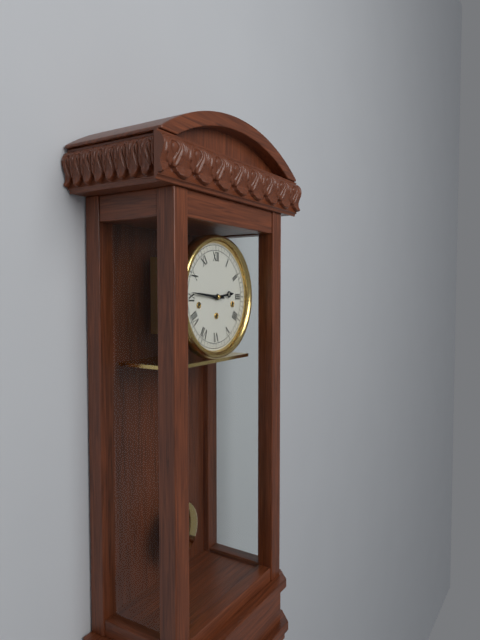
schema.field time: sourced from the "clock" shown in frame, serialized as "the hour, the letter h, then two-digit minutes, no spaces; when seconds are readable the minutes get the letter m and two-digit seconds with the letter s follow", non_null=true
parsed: 2h46
